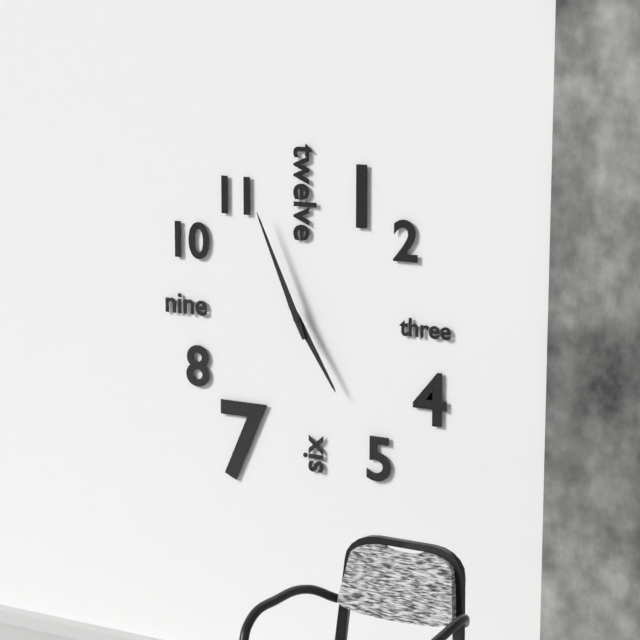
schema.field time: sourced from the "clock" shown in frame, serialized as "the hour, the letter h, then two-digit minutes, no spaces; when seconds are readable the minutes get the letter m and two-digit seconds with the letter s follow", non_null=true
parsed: 4h56
